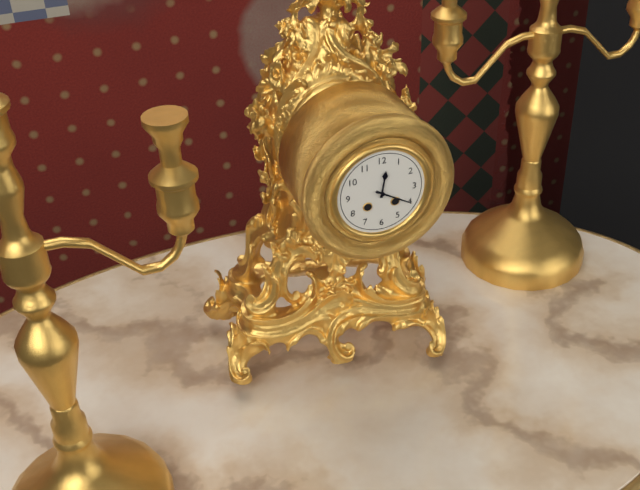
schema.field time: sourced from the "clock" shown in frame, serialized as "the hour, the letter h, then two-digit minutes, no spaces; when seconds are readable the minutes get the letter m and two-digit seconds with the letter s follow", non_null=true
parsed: 12h20
